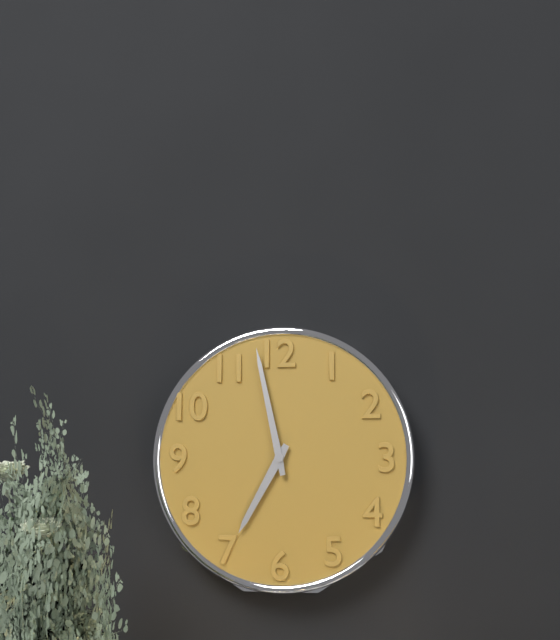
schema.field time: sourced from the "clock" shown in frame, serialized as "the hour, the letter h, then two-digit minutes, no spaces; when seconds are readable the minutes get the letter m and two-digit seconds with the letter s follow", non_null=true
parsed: 6h58
